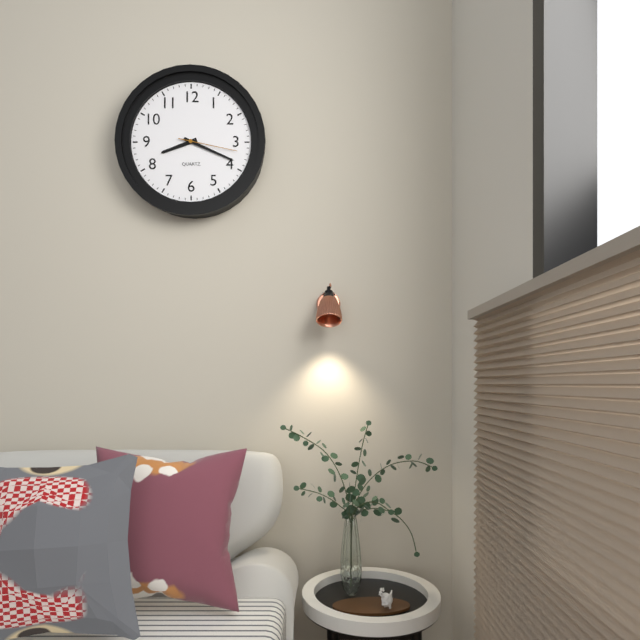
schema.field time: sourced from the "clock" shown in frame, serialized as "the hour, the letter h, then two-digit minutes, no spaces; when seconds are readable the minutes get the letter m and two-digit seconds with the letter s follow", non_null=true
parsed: 8h19m17s
